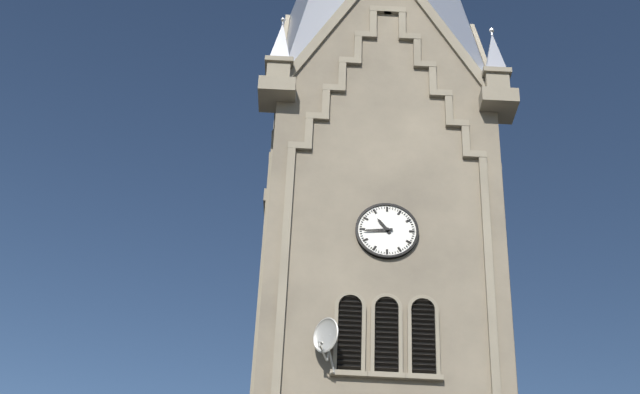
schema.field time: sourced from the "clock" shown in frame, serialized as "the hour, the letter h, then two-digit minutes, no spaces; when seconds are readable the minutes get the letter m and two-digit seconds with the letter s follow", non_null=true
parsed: 10h44
